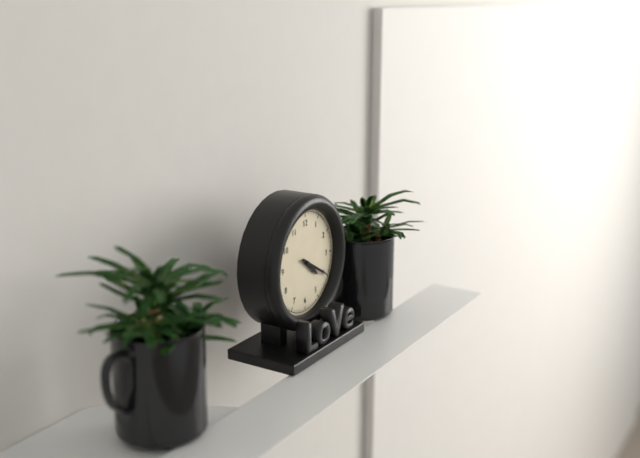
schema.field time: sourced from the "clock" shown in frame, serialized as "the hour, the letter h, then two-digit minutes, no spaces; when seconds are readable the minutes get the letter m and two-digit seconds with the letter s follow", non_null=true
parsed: 4h20
